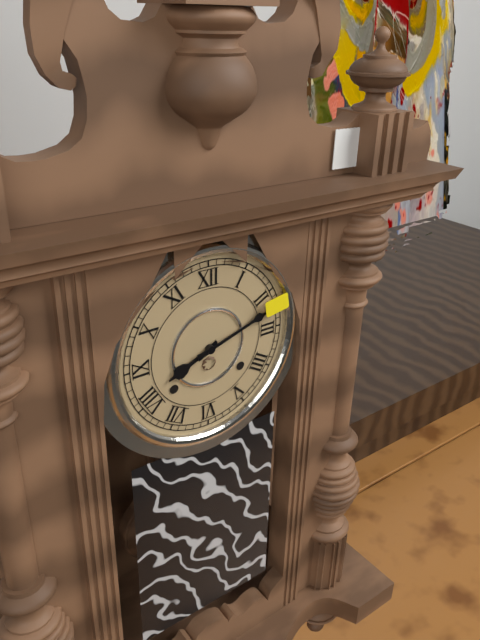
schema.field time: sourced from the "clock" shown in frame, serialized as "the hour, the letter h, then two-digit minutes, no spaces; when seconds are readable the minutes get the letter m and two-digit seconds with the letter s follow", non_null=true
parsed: 8h12
